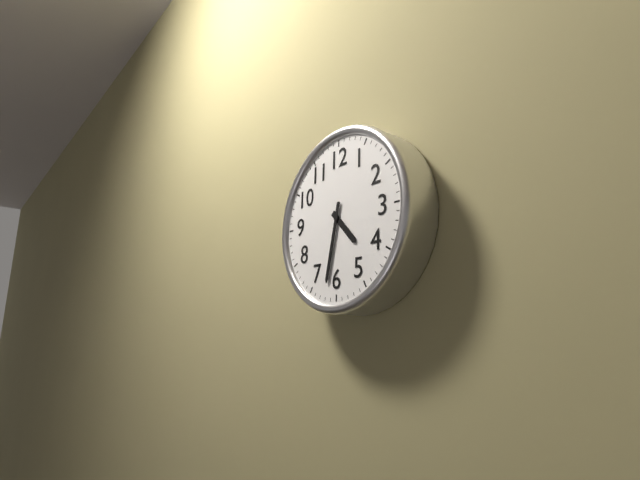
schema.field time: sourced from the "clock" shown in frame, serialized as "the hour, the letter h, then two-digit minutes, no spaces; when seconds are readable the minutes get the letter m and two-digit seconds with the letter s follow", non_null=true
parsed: 4h32
